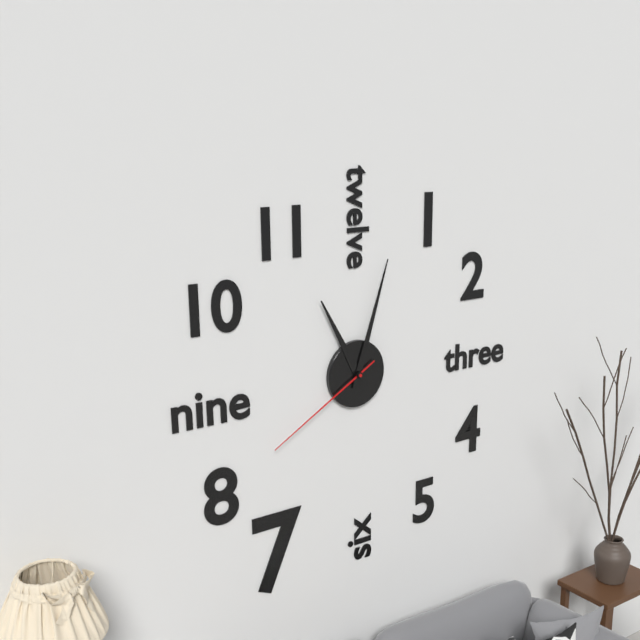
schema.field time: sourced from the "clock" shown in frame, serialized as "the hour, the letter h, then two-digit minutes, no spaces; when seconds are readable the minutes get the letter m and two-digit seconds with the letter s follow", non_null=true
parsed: 11h03m40s
